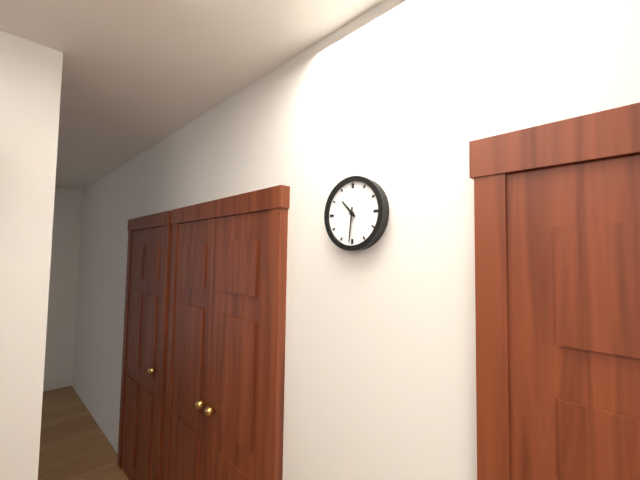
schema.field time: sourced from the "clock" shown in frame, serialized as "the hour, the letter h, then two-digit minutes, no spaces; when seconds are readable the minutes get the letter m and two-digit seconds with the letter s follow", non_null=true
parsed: 10h31
